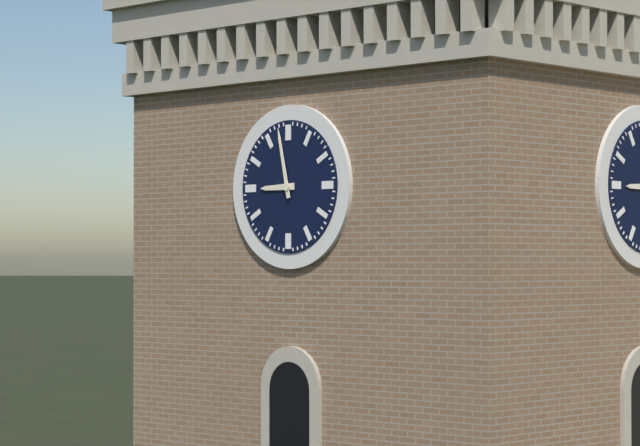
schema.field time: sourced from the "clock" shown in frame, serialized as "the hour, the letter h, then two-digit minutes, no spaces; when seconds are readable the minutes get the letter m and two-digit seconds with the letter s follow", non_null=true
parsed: 8h58
